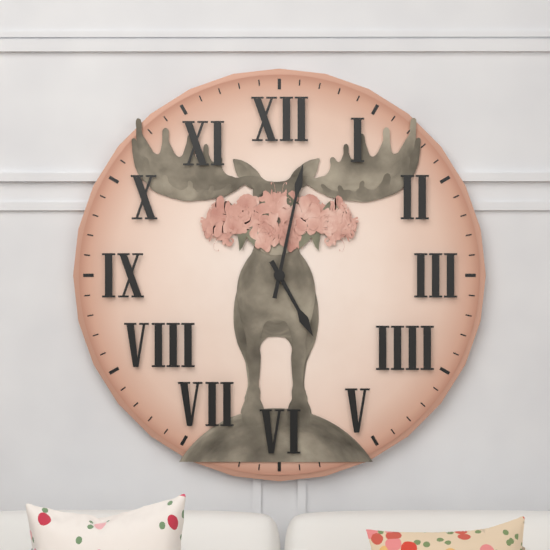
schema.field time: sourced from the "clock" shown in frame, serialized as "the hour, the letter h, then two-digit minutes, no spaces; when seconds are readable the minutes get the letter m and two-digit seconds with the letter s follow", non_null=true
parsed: 5h02
